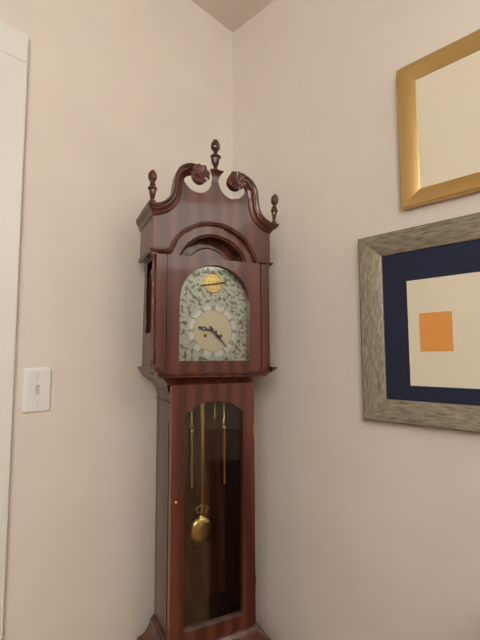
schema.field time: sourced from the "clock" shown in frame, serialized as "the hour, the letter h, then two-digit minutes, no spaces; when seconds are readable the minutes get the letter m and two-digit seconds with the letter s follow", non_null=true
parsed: 9h23
